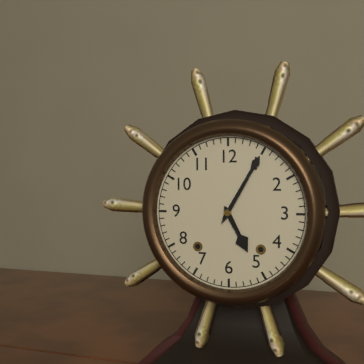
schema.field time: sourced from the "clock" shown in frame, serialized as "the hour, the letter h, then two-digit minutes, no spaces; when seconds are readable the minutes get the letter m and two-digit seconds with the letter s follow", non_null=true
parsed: 5h05
